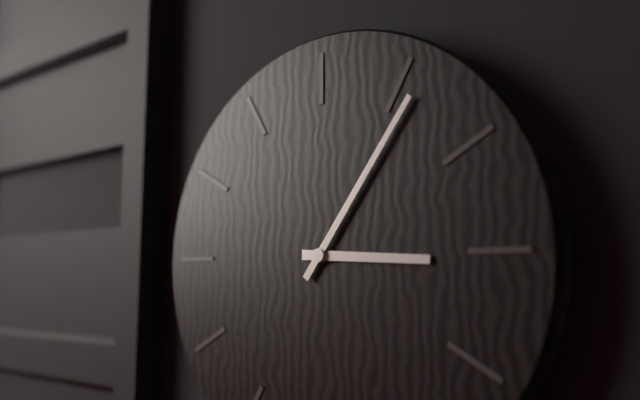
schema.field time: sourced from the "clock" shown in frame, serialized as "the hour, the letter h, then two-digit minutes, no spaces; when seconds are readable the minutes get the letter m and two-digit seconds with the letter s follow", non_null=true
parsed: 3h06
